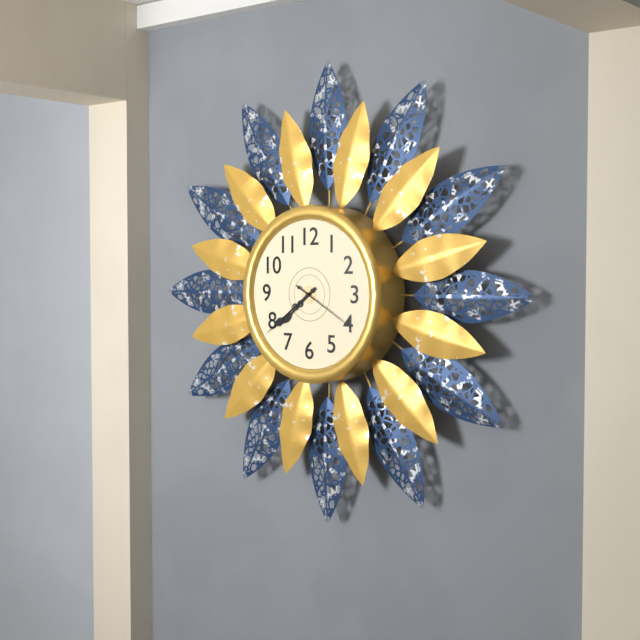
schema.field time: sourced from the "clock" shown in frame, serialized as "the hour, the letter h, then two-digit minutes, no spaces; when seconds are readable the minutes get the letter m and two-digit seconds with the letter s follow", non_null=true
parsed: 7h39m20s
